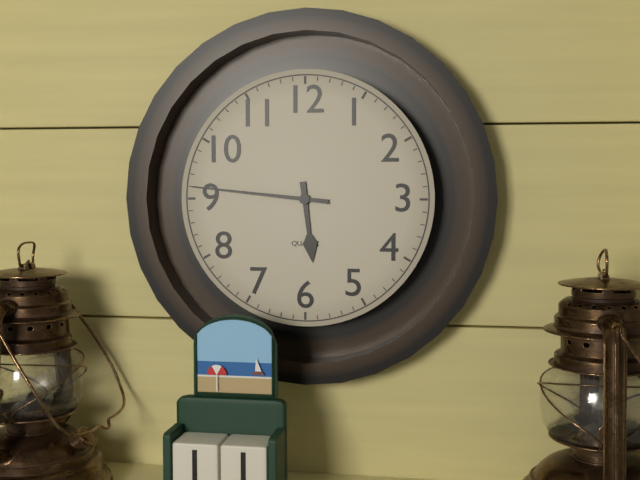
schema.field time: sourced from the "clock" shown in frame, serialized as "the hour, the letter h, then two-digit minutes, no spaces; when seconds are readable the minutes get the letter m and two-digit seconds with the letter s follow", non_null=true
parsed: 5h46
